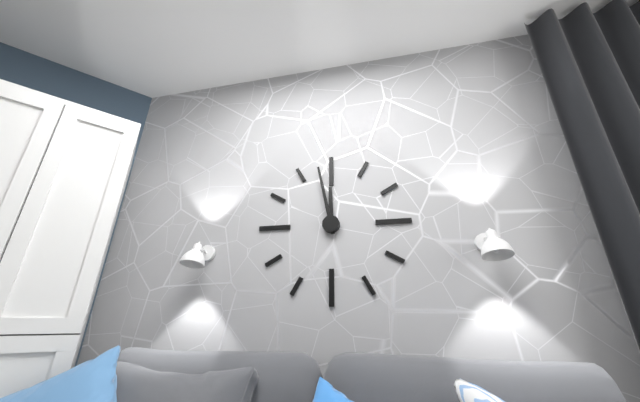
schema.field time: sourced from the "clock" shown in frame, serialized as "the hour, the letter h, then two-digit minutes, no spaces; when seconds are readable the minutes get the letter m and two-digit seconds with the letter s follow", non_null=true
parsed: 11h58
